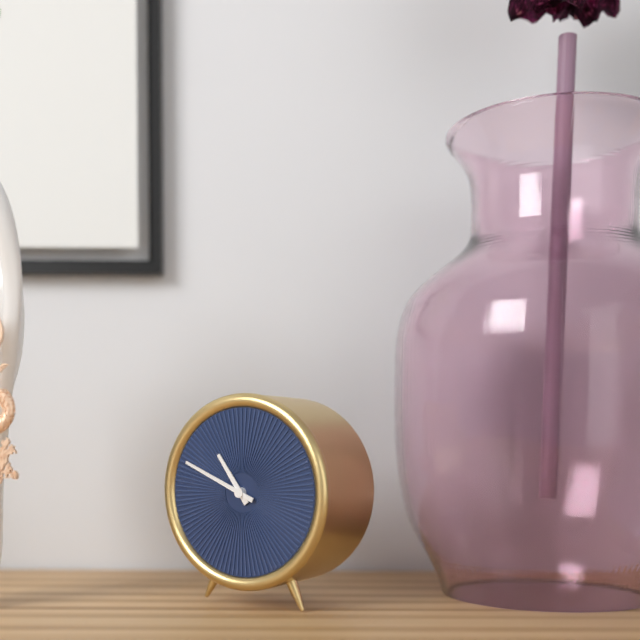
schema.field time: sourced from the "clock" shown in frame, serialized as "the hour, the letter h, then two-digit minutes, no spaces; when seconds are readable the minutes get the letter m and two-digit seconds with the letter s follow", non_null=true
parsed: 10h49
